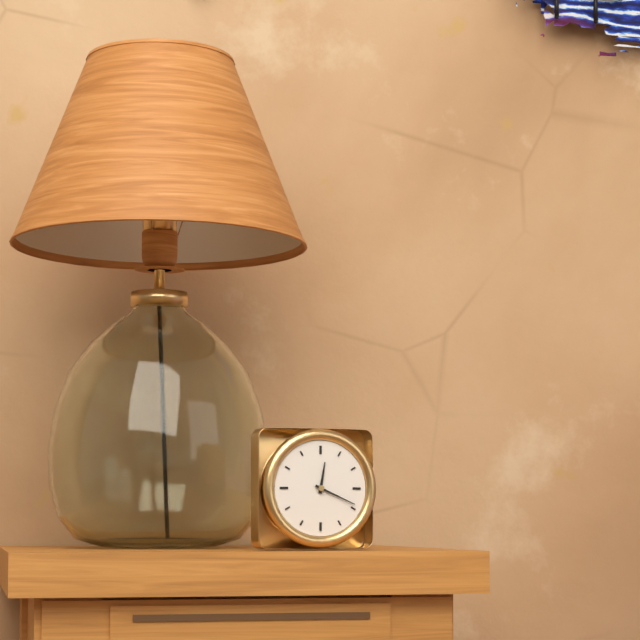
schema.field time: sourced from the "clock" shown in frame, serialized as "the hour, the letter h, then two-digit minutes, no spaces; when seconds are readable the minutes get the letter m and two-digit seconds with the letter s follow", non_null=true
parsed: 12h19
